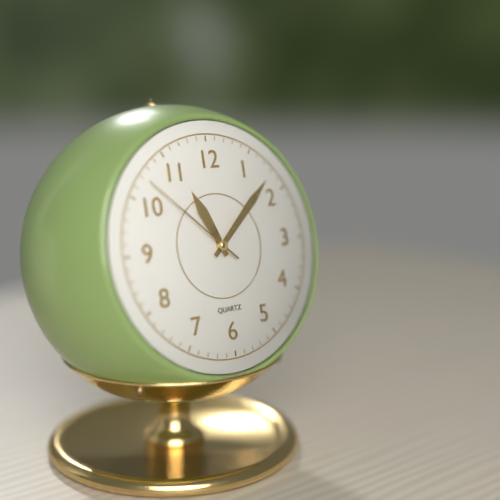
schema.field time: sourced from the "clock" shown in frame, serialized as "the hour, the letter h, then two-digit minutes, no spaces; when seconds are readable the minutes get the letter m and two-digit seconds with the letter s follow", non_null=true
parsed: 11h08m52s
